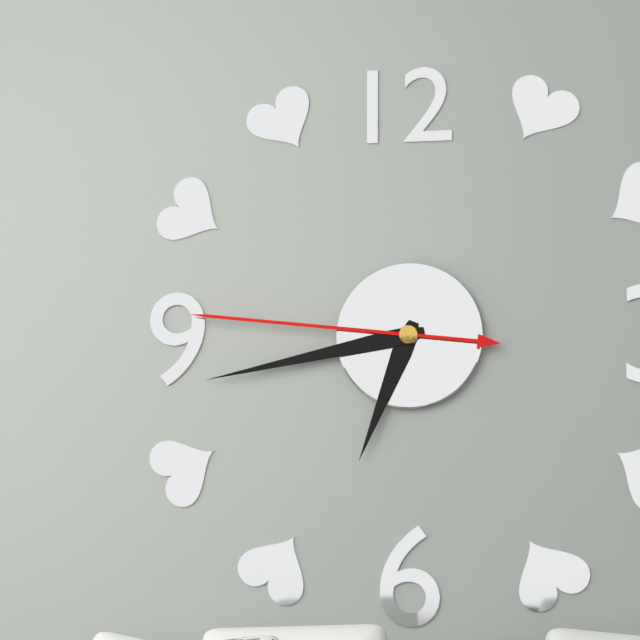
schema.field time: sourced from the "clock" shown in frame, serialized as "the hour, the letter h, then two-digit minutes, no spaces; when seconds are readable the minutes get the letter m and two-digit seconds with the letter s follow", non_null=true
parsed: 6h43m46s
